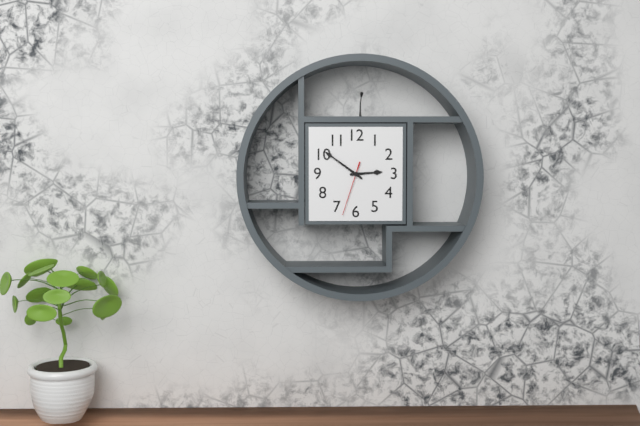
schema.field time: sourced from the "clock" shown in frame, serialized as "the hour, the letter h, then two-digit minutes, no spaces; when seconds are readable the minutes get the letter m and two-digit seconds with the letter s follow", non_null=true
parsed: 2h51m33s
